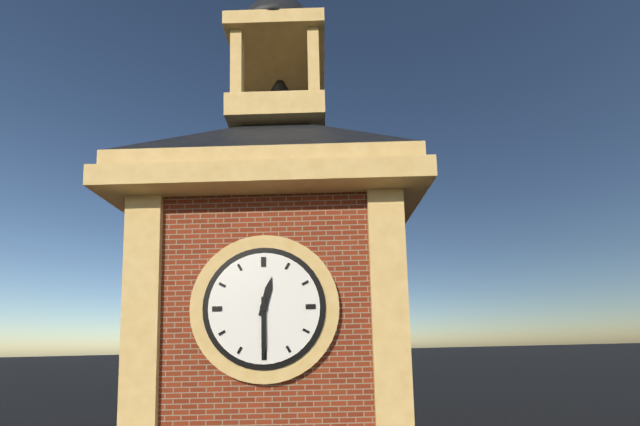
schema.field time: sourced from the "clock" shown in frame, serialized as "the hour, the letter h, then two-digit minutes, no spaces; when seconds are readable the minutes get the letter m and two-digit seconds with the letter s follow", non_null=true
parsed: 12h30
